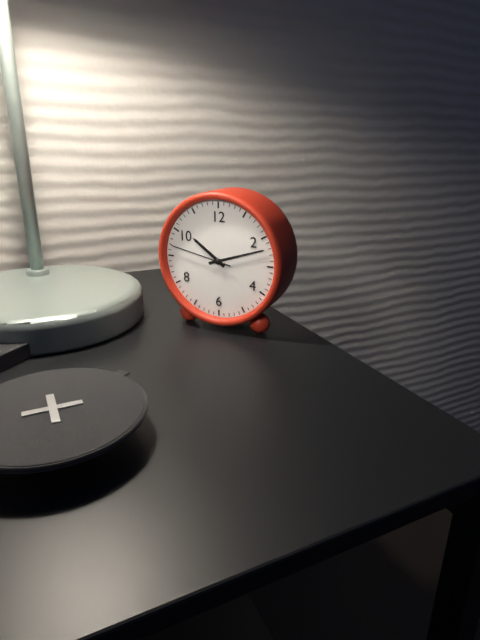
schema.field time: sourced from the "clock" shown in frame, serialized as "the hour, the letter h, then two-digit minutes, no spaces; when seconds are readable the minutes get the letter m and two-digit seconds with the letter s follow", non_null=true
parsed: 10h12m47s
